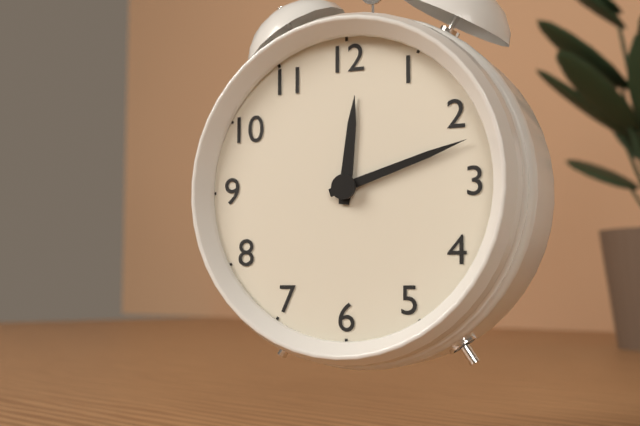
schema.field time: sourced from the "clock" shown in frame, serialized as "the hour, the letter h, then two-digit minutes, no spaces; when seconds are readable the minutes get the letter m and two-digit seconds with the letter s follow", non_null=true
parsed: 12h12
